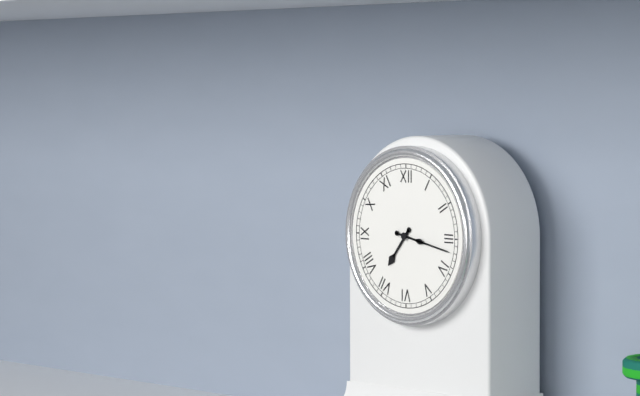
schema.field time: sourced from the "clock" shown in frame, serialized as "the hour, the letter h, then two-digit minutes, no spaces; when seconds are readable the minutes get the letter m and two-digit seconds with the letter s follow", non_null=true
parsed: 7h17
